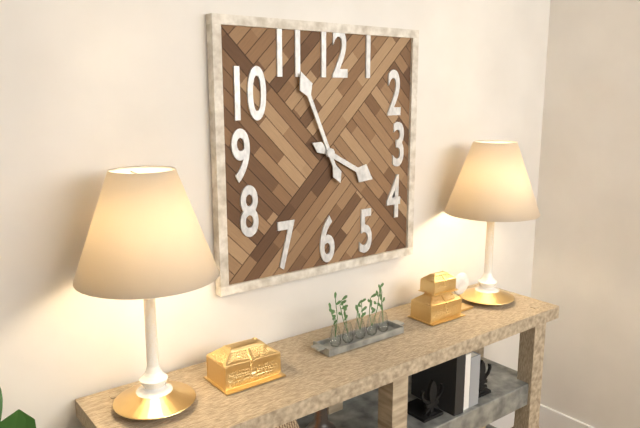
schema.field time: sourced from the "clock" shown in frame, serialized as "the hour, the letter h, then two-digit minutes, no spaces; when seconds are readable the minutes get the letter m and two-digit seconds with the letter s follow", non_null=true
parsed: 3h56
